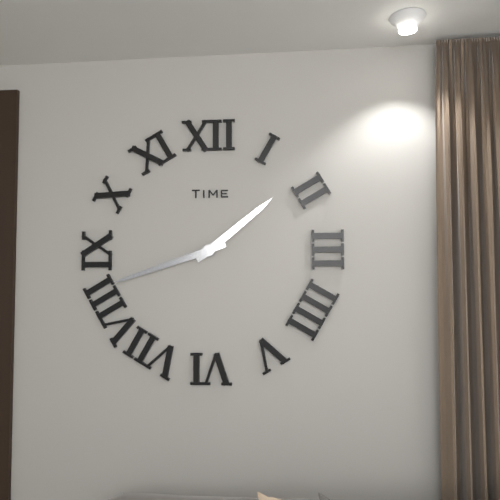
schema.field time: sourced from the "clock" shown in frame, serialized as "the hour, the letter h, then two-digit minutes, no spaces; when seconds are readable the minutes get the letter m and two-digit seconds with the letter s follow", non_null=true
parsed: 1h42
